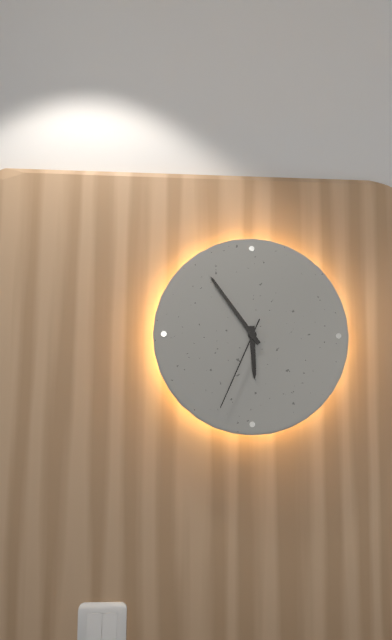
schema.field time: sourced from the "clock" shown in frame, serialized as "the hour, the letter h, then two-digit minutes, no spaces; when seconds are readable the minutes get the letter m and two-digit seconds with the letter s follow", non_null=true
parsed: 5h54m34s
